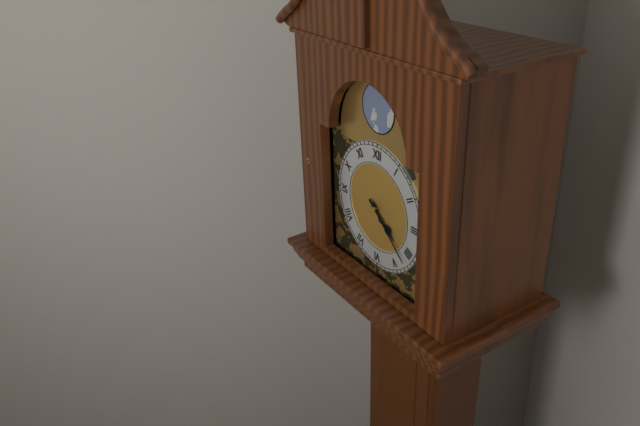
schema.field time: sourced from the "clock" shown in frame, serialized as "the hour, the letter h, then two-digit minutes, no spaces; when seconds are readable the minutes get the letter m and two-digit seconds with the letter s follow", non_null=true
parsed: 4h22
